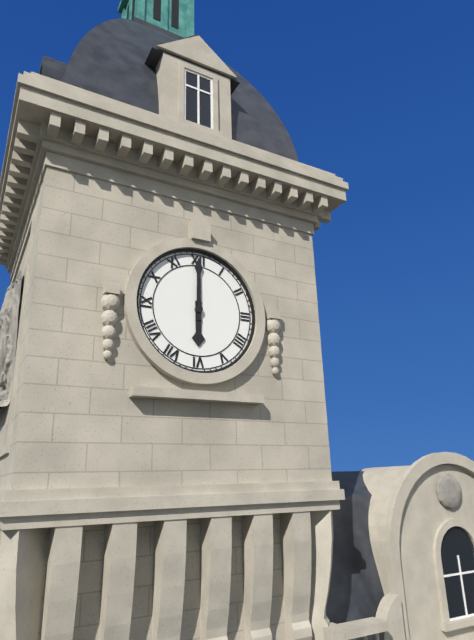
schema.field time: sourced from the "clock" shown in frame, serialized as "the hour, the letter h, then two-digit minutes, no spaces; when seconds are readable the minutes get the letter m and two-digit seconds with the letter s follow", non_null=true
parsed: 6h00
